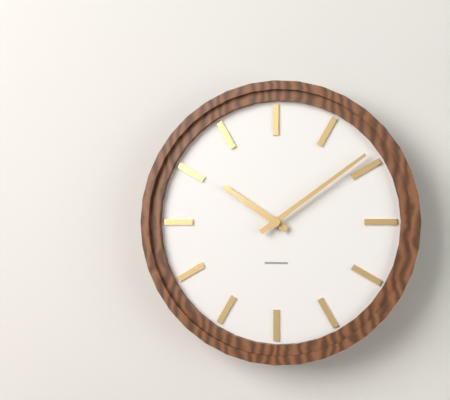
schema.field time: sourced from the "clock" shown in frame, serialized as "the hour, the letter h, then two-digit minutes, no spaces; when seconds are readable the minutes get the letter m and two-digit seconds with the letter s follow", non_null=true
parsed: 10h09
